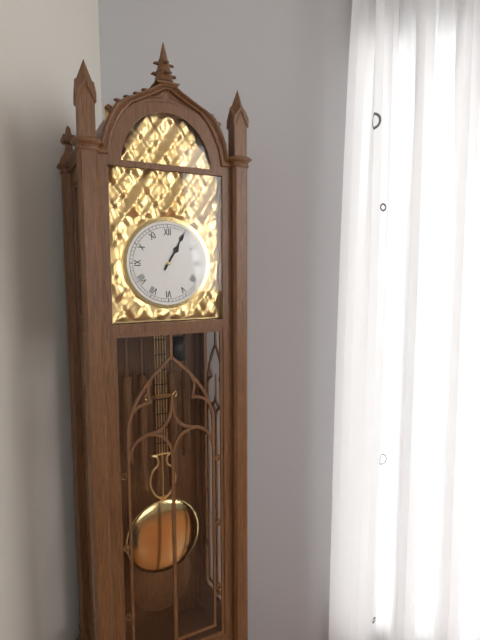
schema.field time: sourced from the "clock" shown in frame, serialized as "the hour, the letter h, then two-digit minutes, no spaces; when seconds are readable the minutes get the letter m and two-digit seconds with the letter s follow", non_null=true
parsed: 1h05
